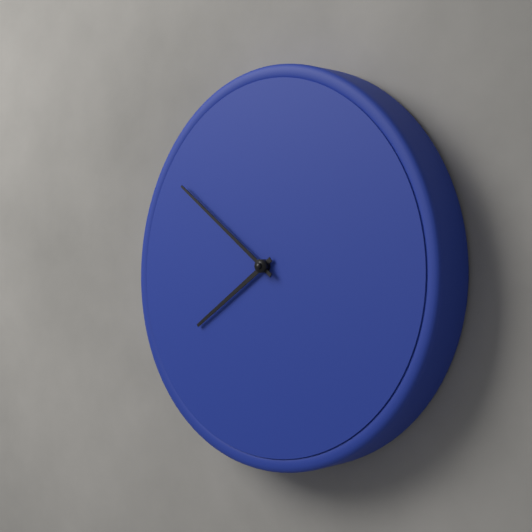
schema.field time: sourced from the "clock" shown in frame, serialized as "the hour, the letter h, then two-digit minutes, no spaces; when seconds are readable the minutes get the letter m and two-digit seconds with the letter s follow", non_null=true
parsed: 7h51
